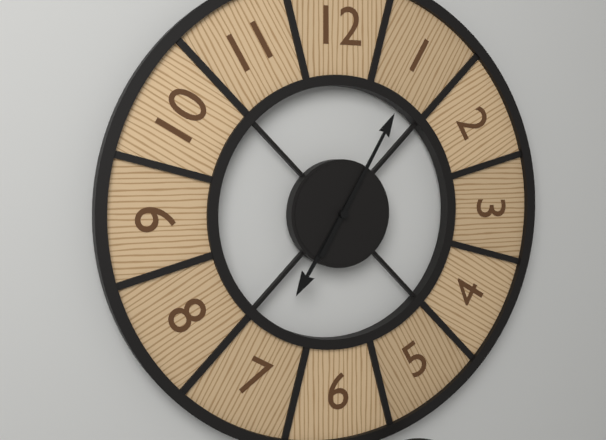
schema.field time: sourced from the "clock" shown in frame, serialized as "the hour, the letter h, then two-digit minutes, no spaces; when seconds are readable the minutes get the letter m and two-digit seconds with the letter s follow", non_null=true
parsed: 7h05
